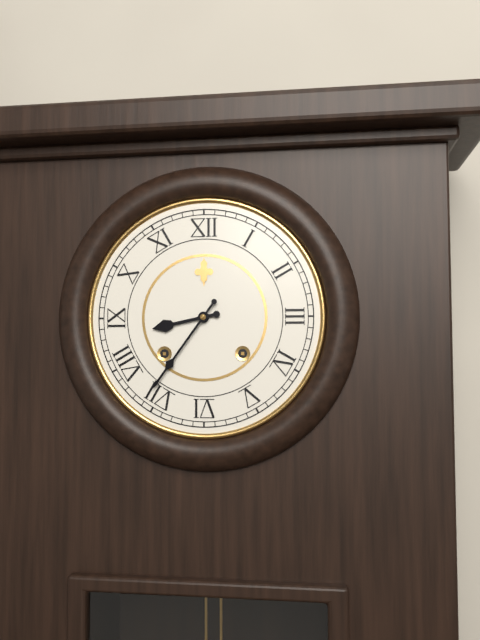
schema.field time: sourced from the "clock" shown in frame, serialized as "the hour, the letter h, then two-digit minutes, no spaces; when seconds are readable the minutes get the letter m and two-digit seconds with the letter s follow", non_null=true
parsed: 8h36
